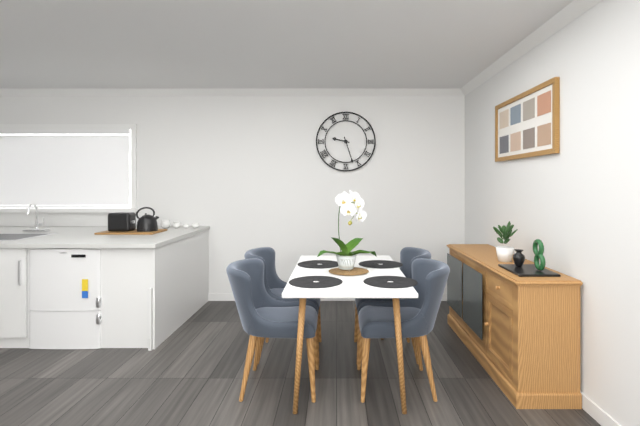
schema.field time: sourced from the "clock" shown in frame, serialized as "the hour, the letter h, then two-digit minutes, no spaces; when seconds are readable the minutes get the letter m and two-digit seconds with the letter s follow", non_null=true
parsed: 9h27
